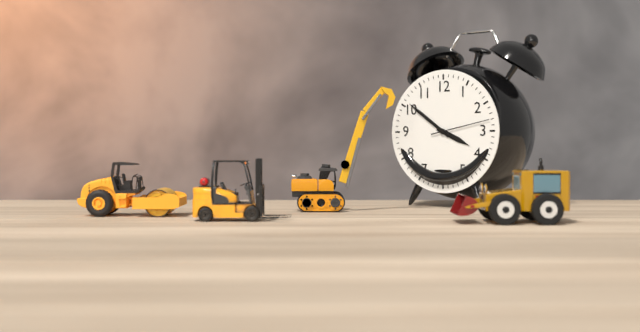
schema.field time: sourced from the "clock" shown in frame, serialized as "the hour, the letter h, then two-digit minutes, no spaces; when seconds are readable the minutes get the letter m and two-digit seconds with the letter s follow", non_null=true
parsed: 3h51m13s
